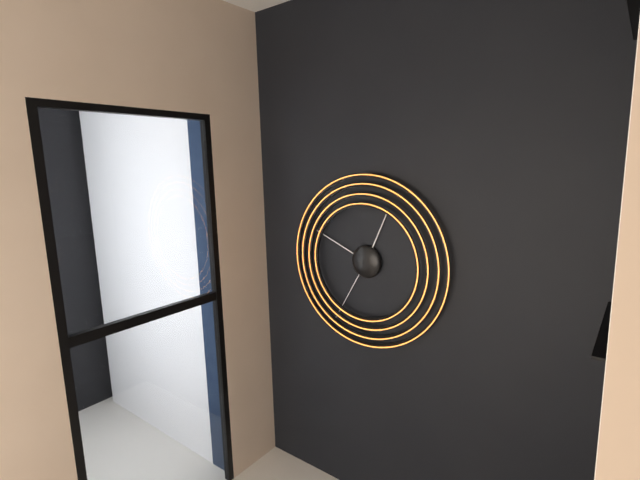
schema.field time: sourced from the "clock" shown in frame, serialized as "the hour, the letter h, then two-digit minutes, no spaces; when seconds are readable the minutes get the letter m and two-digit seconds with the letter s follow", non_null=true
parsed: 12h49m35s
